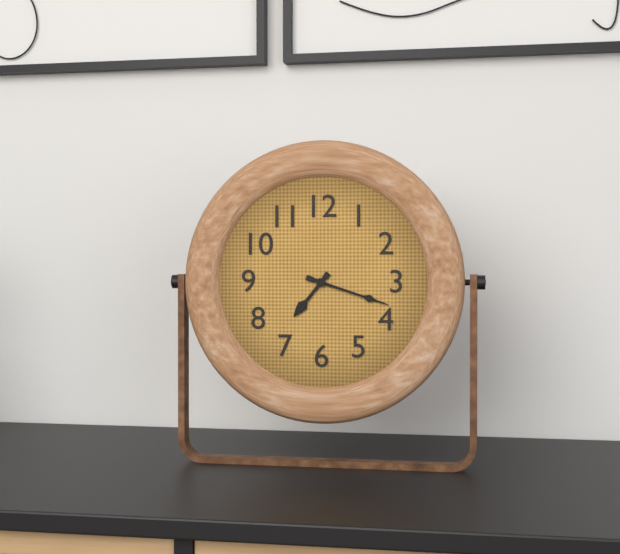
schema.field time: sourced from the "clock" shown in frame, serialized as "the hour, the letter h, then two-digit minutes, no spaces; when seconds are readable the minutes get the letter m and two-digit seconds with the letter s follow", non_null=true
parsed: 7h18
